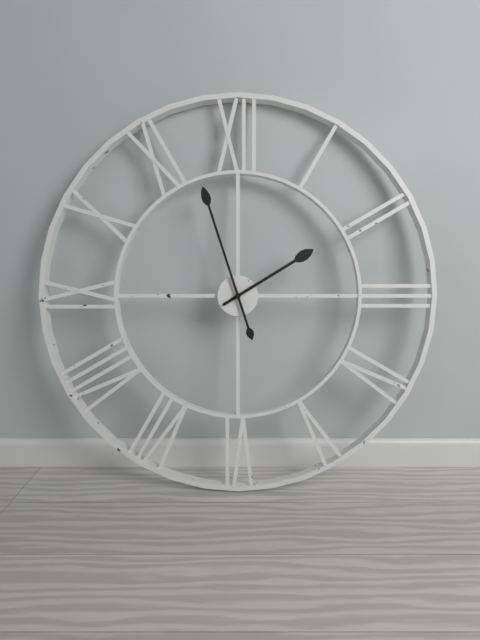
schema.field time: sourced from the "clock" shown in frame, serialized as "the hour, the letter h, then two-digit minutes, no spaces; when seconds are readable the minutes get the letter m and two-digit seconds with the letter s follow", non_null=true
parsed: 1h57
